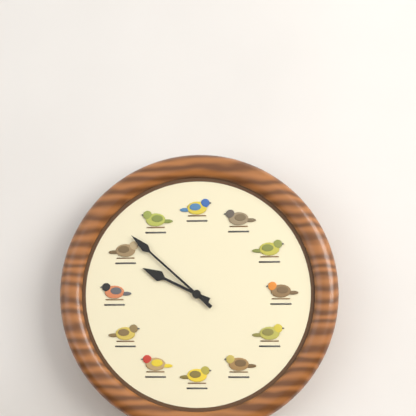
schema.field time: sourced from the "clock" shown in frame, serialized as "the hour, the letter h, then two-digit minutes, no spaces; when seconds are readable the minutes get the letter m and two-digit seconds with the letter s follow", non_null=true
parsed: 9h52
